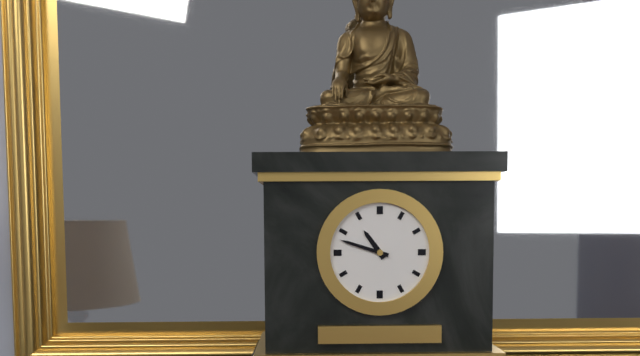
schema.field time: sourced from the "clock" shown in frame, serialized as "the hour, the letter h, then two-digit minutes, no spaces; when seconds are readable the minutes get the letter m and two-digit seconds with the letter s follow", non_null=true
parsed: 10h48
